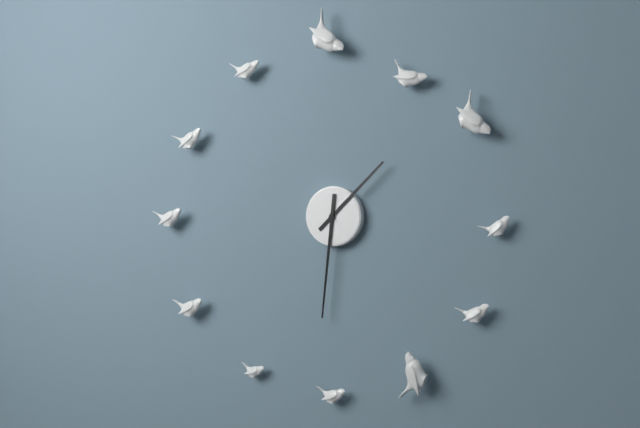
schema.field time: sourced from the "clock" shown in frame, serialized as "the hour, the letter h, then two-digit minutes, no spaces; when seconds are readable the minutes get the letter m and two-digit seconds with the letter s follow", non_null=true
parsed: 1h31
